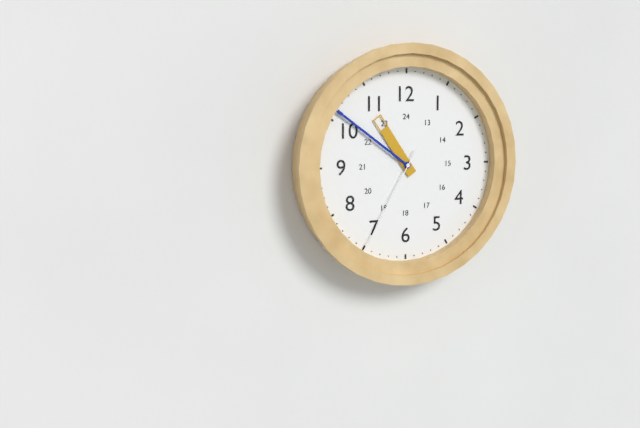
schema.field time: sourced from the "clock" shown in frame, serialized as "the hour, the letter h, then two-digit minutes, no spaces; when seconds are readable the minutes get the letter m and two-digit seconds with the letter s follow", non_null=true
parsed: 10h51m35s
